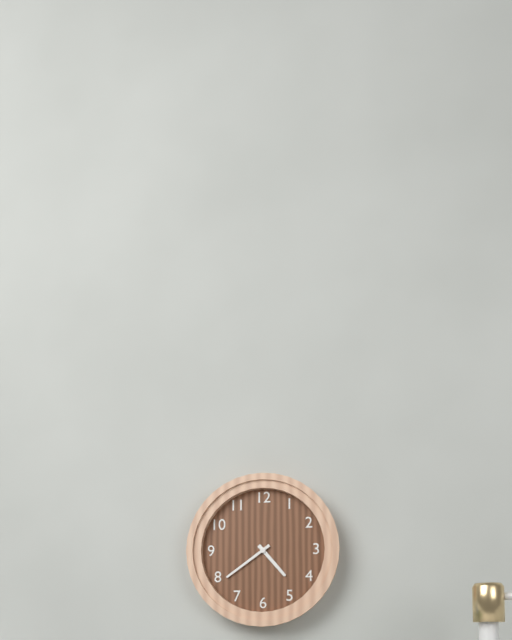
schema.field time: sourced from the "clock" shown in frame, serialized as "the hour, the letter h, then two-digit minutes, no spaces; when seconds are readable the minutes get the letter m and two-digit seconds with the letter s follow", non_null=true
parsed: 4h39
